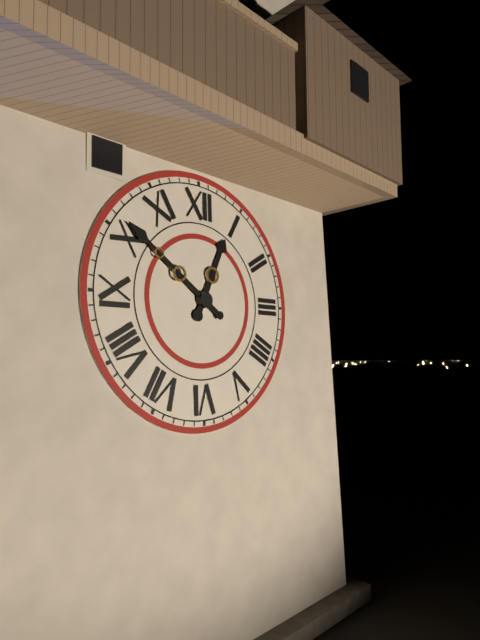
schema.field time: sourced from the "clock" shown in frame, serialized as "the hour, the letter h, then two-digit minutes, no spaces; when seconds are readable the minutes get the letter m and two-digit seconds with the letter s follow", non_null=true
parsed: 12h51
